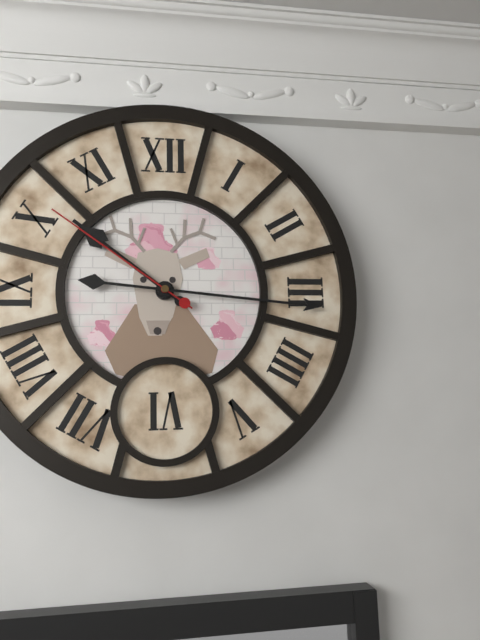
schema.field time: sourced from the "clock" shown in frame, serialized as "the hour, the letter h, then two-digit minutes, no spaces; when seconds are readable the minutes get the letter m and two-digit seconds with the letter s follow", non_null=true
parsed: 10h16m51s
